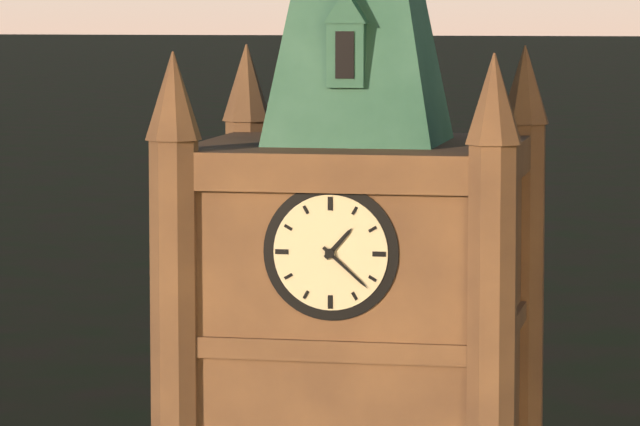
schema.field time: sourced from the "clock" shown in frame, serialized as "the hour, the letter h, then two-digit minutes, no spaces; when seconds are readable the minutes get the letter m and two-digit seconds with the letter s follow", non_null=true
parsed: 1h22
